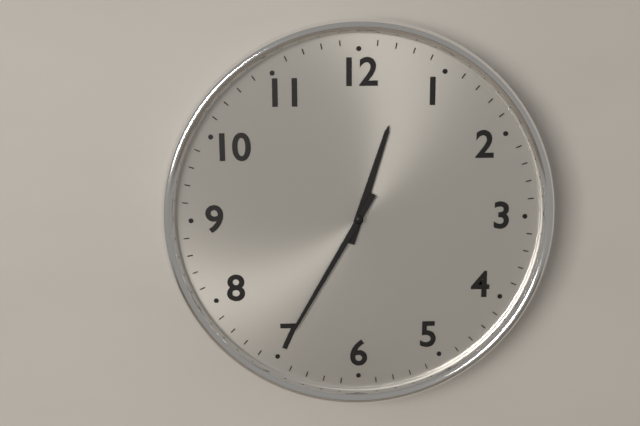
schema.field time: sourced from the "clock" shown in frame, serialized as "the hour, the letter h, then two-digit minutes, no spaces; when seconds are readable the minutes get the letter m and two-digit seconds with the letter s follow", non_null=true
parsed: 12h35
